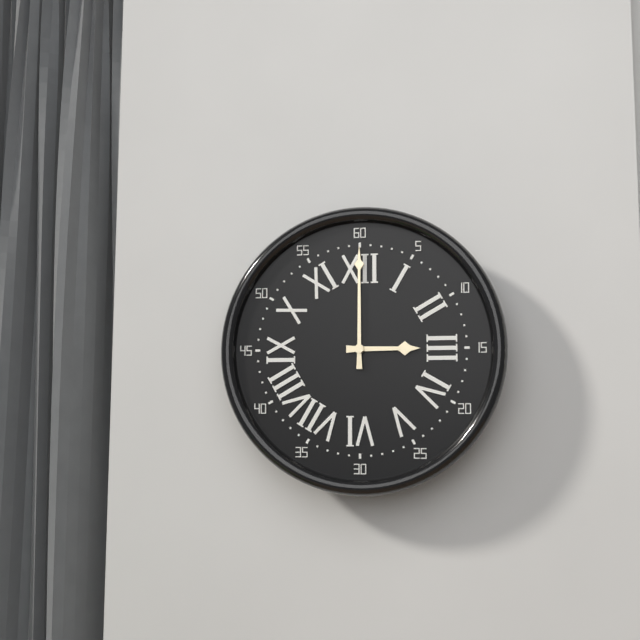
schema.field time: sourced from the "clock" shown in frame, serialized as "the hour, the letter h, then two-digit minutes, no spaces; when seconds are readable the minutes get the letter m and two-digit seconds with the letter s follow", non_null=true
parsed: 3h00
